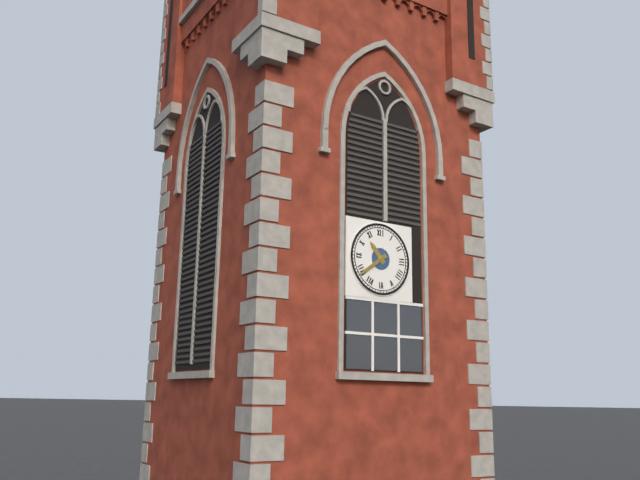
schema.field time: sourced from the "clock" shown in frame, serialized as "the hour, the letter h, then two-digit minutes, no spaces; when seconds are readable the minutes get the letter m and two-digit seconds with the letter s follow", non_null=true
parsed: 10h39
